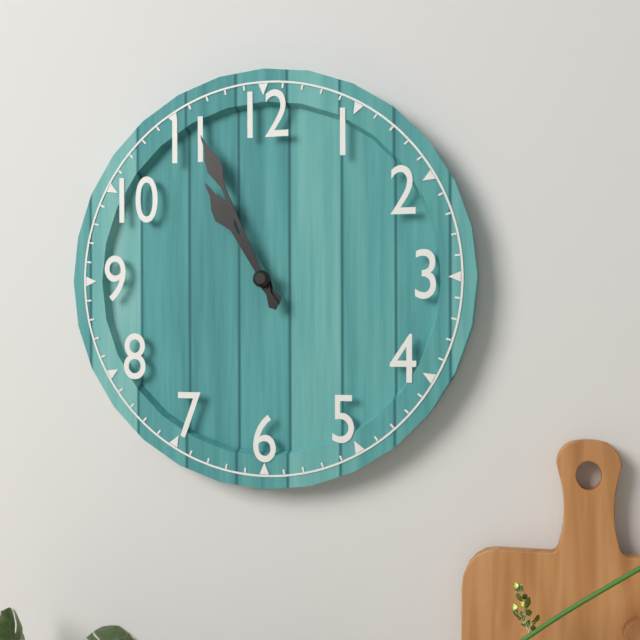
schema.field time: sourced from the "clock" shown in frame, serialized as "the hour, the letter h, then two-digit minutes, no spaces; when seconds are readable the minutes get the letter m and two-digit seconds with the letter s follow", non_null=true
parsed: 10h56
